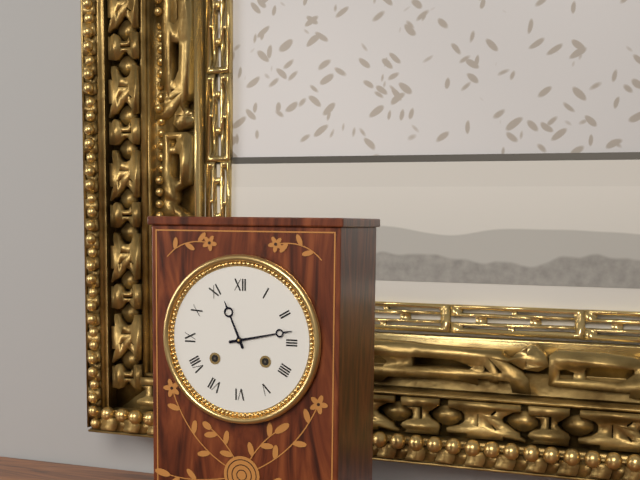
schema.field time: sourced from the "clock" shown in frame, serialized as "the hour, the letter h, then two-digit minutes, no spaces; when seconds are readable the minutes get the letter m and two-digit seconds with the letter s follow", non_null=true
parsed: 11h13
